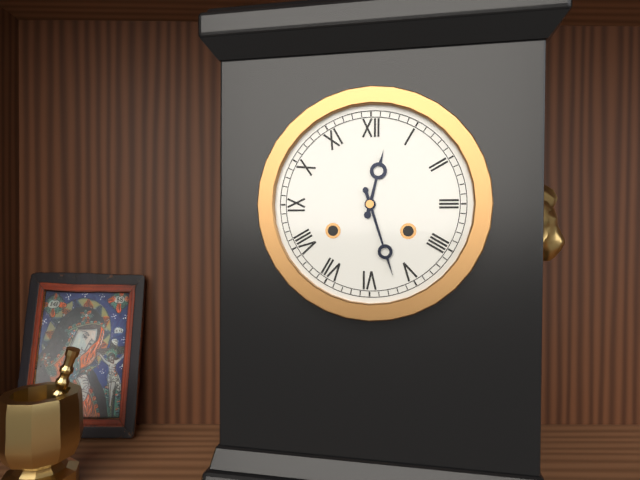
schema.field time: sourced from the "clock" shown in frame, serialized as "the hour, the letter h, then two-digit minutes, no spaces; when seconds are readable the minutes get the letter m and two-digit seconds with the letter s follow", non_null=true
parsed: 12h27
